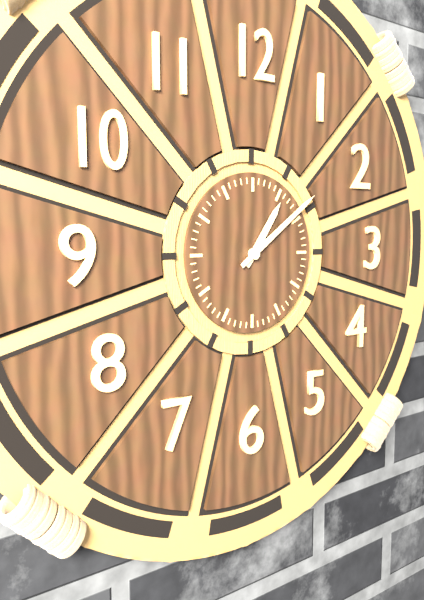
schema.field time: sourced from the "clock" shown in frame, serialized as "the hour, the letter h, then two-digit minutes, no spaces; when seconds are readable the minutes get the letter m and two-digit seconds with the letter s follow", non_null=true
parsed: 1h09
